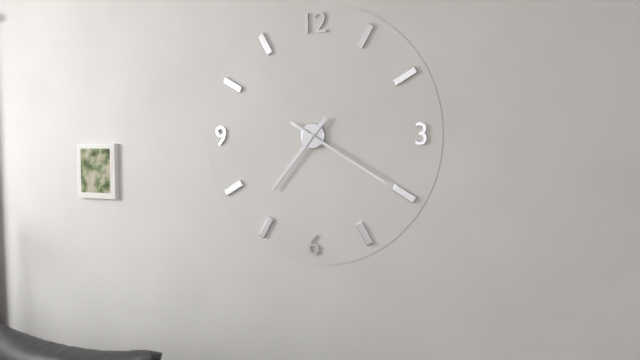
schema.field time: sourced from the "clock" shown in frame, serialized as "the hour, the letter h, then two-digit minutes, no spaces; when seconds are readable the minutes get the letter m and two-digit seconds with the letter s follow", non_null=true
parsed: 7h20
